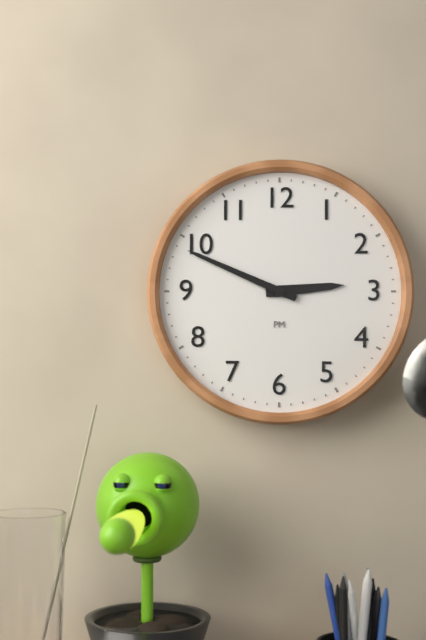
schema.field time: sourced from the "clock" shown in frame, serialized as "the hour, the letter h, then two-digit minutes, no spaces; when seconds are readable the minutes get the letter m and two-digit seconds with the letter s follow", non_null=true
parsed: 2h49
